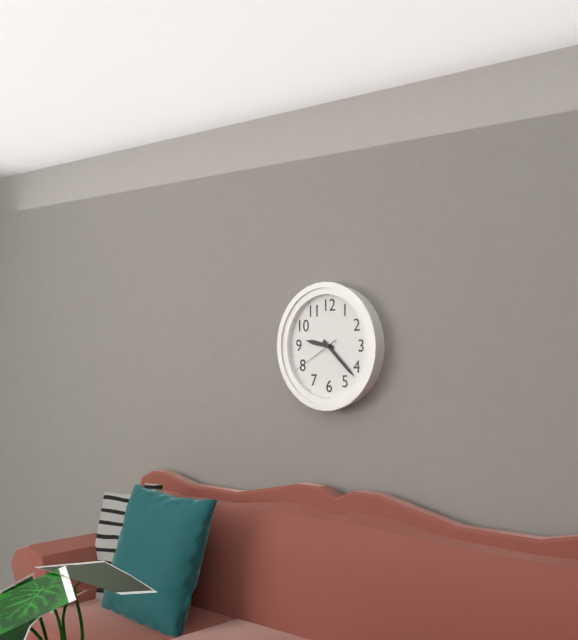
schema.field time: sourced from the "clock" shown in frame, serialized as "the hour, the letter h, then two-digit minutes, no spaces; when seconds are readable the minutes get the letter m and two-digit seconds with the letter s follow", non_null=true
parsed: 9h22
